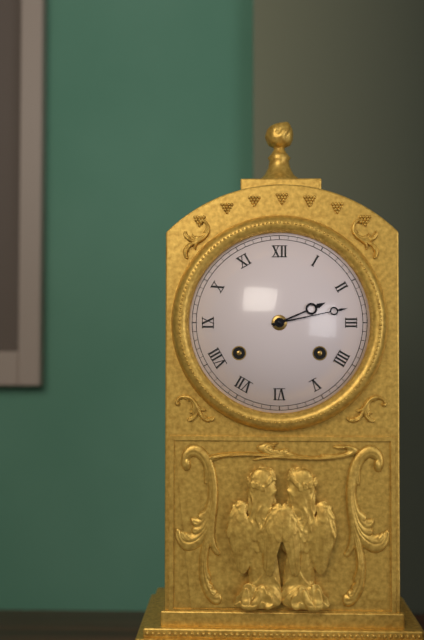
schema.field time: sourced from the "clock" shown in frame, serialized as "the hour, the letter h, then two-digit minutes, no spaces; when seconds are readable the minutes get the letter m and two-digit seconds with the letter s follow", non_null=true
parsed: 2h13
